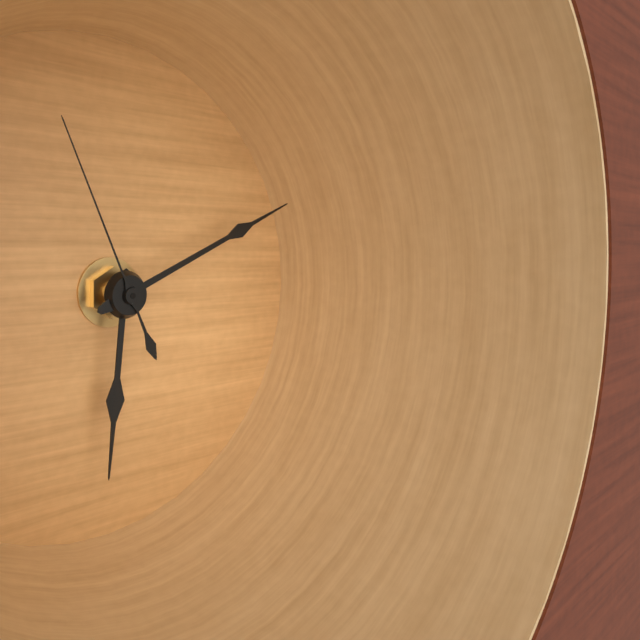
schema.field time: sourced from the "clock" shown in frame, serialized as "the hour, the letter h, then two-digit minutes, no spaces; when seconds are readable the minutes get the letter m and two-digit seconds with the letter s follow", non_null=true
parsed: 6h11m56s
